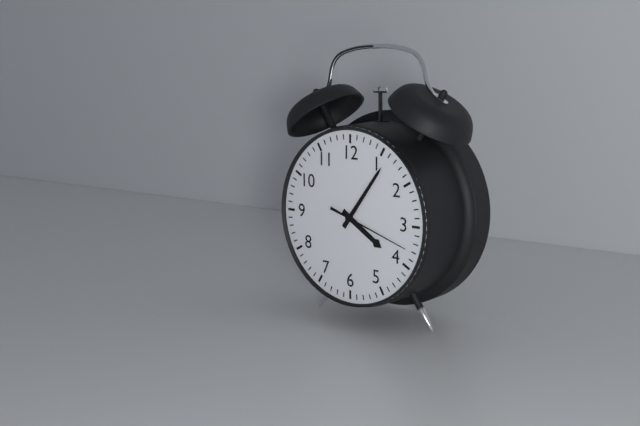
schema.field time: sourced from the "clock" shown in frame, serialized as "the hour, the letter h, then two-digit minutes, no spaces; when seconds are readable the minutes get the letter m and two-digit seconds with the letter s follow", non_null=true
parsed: 4h06m18s
